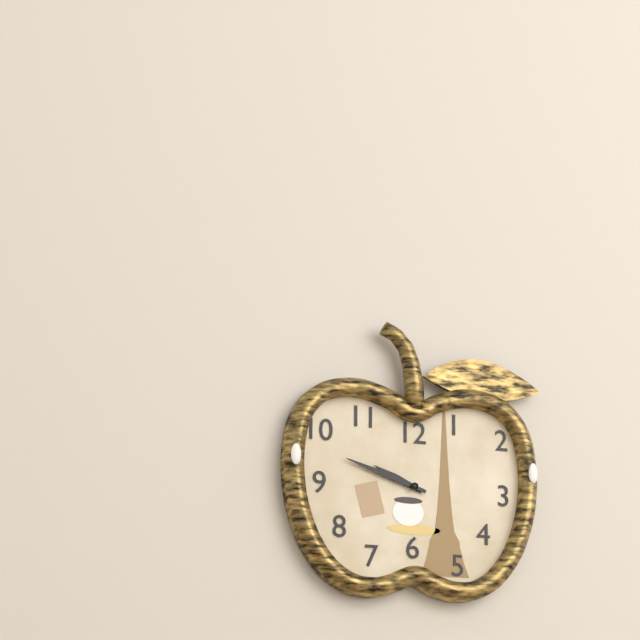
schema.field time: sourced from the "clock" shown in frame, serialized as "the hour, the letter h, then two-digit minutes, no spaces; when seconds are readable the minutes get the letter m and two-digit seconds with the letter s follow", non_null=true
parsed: 9h48
